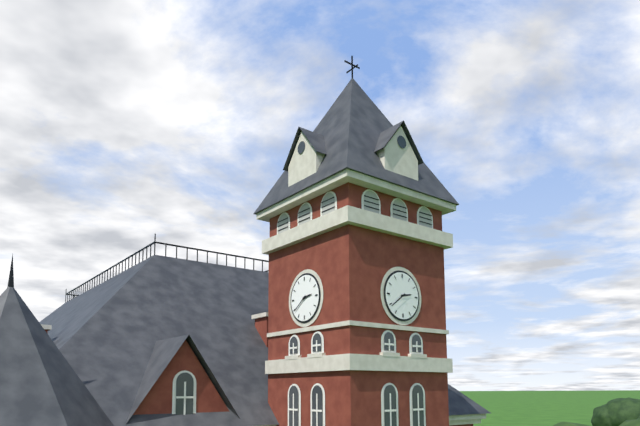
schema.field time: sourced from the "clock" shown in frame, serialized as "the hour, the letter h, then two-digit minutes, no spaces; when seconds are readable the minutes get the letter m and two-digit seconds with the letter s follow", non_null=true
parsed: 2h39
